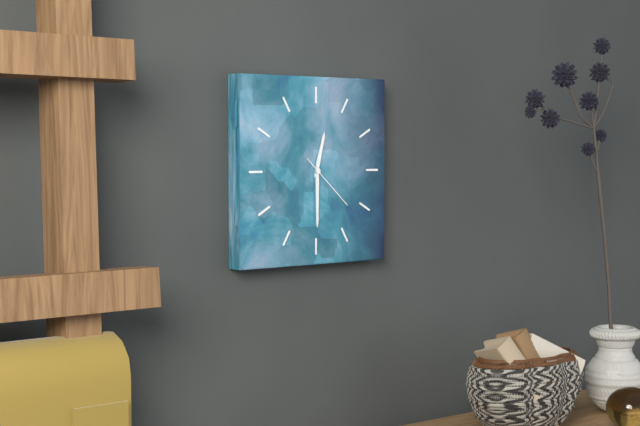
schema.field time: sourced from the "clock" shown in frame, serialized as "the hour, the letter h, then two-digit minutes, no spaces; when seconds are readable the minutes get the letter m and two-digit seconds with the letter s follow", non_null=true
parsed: 12h30m22s
